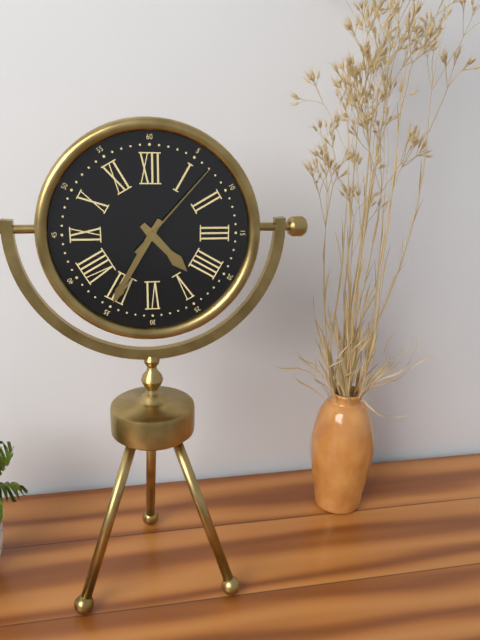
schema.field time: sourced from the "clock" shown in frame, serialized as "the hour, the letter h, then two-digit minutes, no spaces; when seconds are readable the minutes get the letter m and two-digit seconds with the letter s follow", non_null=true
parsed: 4h35m07s
